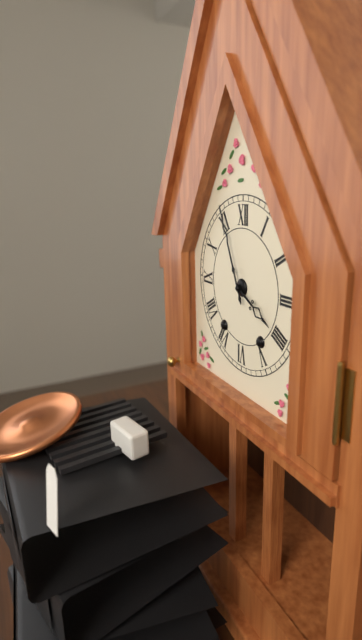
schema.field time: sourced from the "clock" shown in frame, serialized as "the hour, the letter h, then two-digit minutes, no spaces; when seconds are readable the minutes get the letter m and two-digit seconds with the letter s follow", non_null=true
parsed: 3h56
